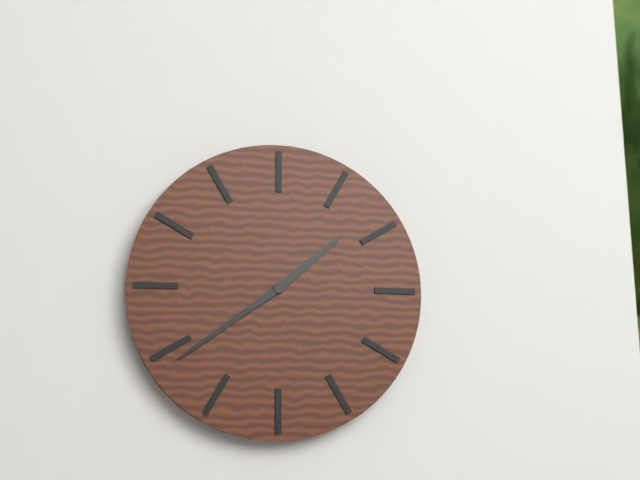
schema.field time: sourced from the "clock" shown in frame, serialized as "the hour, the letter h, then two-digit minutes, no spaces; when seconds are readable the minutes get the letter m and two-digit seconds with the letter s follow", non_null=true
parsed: 1h39
